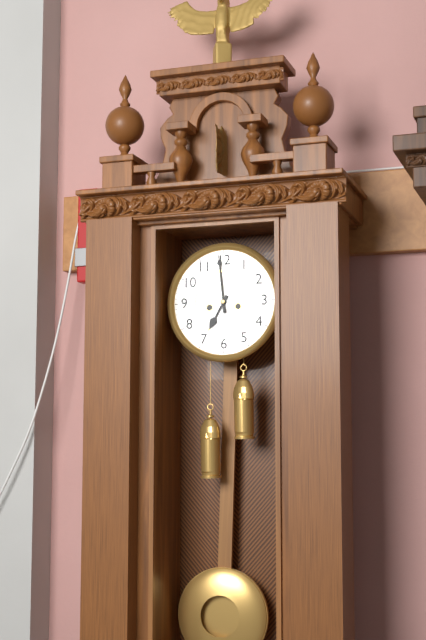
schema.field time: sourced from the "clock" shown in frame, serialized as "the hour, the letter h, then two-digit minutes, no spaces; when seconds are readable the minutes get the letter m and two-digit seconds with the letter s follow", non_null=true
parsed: 6h59
